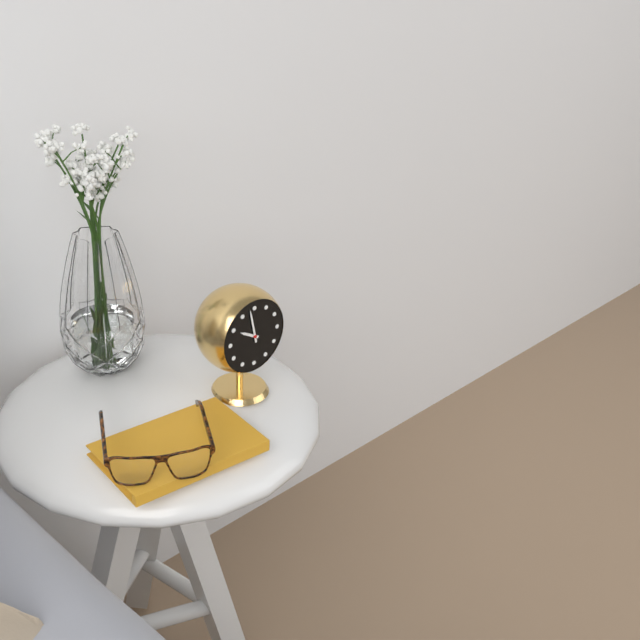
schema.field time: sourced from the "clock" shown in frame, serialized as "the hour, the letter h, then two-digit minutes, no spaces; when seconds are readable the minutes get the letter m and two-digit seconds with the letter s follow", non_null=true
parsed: 9h58
